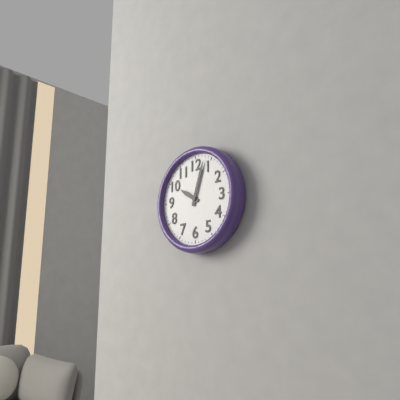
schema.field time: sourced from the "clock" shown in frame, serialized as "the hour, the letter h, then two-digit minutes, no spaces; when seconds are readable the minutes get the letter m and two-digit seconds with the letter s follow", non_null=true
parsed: 10h03
